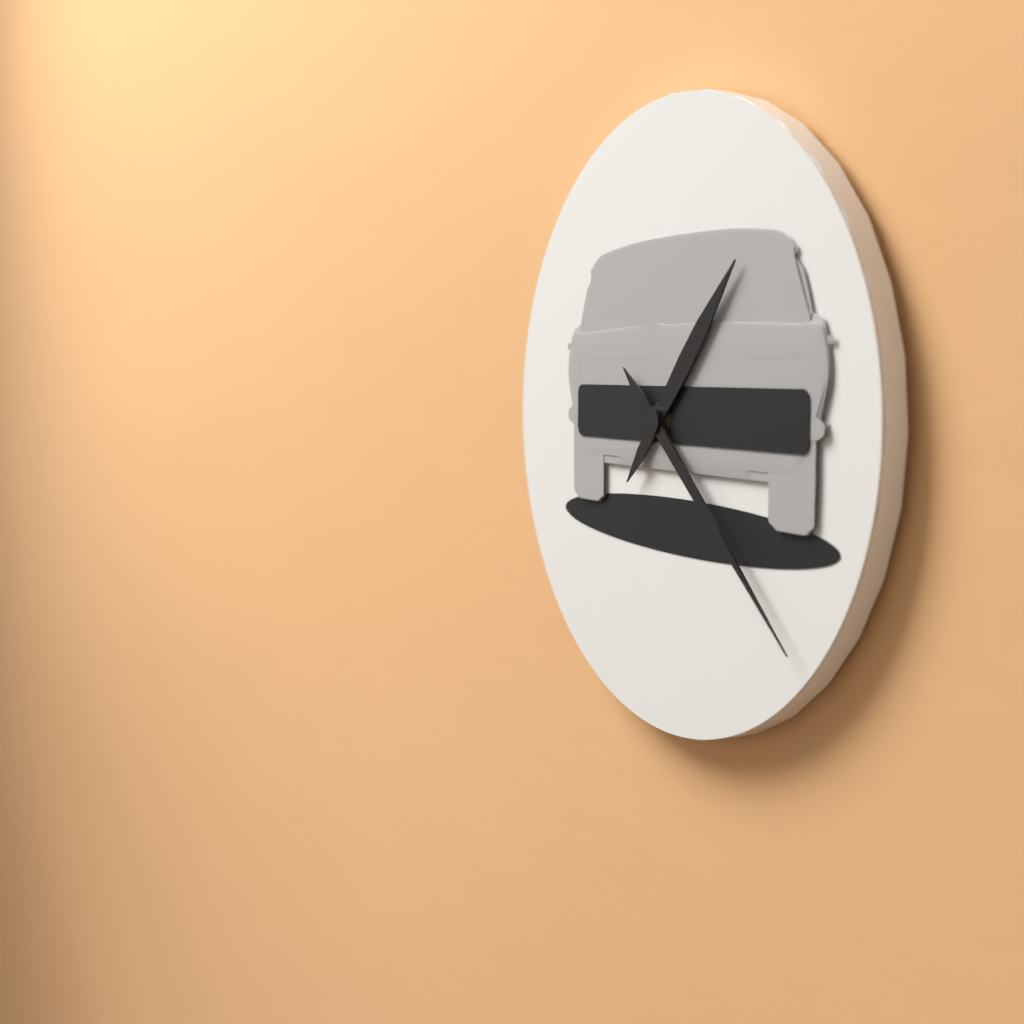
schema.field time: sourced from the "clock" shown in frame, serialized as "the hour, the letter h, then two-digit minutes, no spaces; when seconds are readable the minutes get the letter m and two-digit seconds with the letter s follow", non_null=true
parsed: 1h22
